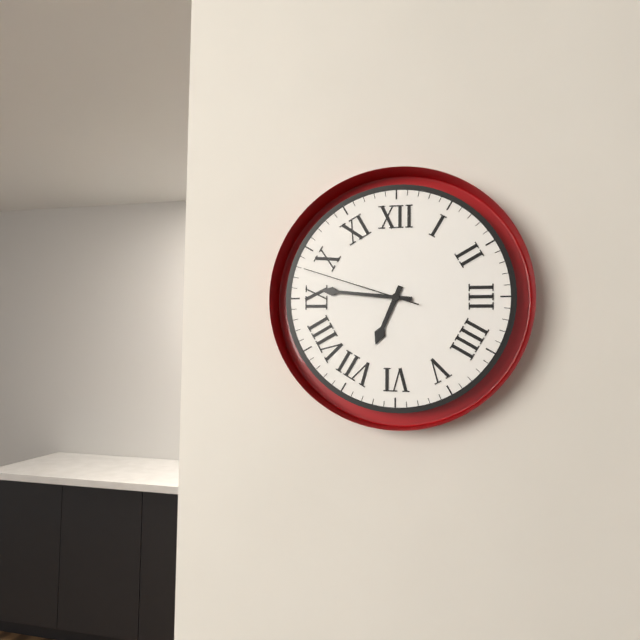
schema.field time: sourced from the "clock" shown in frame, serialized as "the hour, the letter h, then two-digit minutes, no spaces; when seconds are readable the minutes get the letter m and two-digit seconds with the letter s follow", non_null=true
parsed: 6h46m48s
